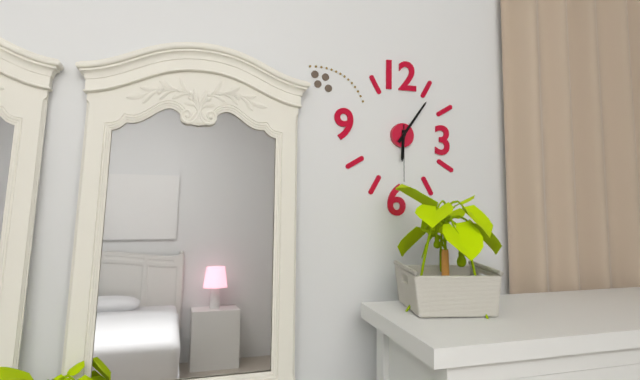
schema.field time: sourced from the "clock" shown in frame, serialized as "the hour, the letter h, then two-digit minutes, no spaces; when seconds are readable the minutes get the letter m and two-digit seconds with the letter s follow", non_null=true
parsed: 6h06m30s
